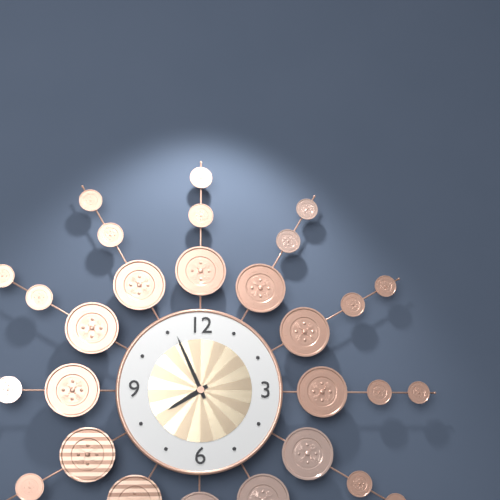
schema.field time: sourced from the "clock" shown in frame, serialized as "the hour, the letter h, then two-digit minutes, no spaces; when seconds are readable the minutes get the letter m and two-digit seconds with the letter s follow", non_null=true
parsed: 7h56
